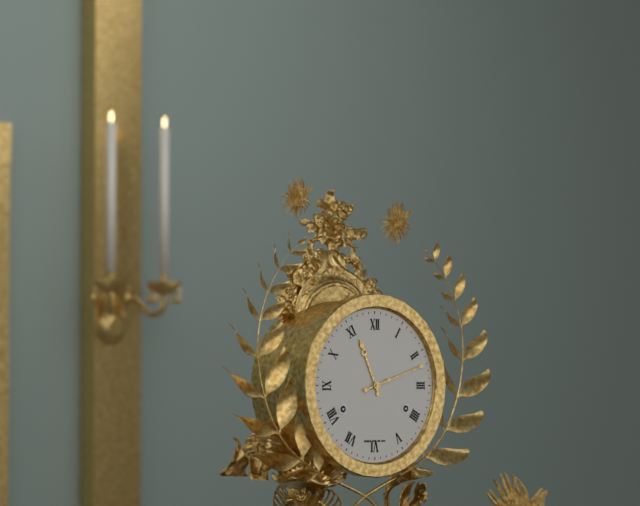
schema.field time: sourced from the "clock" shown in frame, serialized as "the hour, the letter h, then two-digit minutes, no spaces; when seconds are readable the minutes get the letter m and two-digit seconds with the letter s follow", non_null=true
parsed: 11h12
